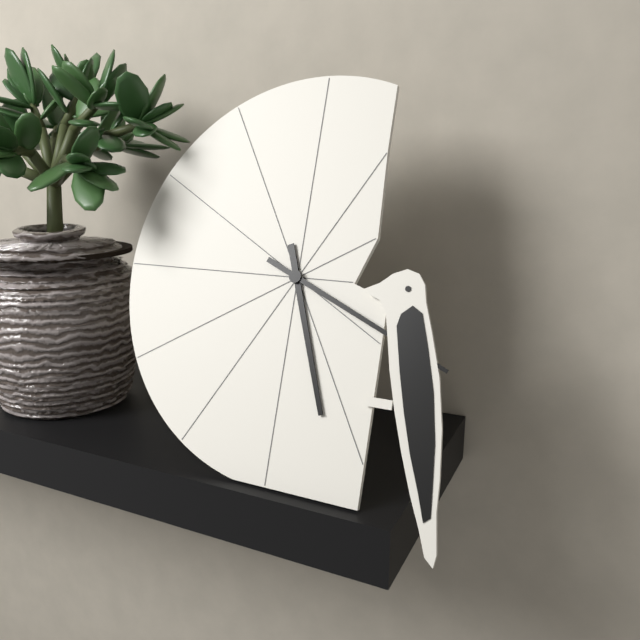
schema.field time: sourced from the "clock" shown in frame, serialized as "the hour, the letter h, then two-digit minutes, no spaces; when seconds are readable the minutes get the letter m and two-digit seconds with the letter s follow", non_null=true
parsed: 5h19
